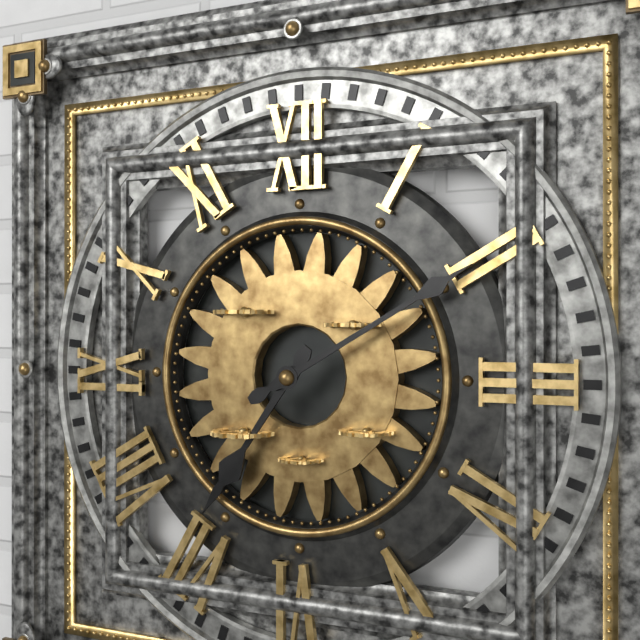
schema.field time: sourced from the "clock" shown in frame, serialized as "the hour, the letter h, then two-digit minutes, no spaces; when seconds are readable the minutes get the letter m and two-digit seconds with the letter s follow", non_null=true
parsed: 7h10
